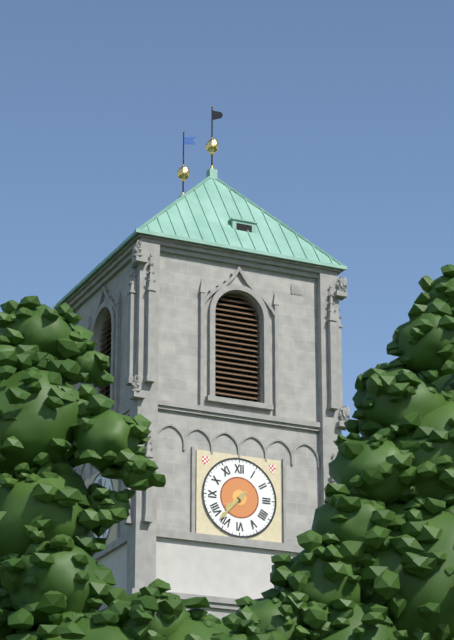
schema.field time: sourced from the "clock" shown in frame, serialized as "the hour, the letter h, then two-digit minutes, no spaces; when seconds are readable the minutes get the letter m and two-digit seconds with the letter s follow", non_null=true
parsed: 7h37
